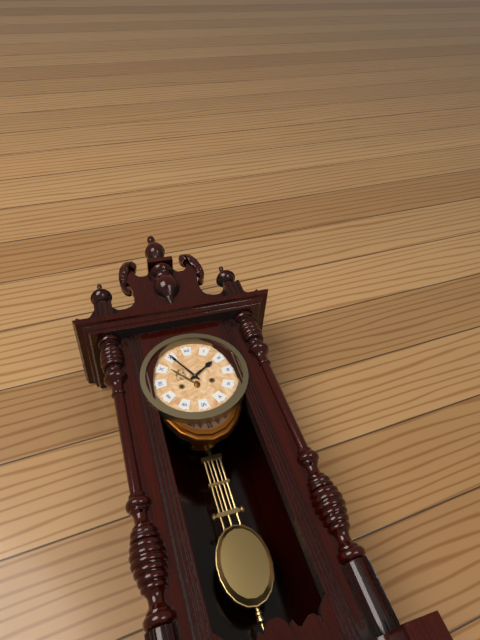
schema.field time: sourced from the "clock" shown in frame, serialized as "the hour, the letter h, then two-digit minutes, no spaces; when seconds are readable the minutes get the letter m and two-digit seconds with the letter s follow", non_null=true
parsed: 1h55
